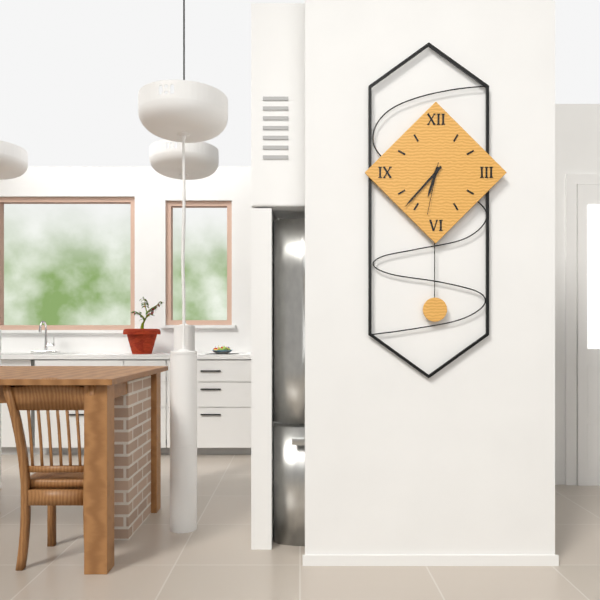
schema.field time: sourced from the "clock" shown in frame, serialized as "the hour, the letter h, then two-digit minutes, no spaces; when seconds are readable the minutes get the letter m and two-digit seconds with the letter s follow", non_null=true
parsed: 6h37m32s
